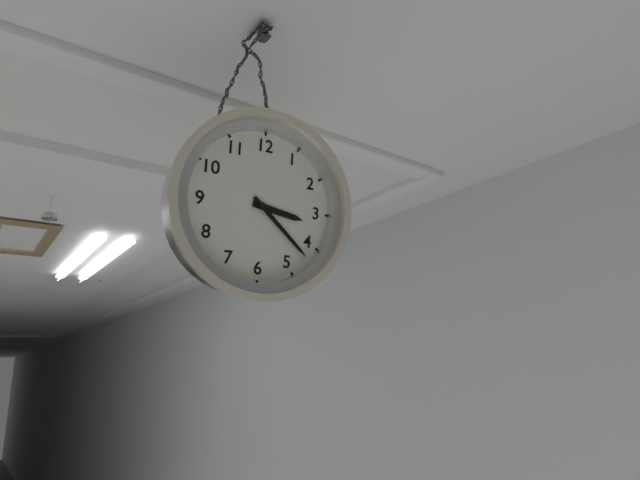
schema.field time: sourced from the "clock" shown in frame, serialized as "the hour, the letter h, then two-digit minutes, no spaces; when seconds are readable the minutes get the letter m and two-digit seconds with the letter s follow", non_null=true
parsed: 3h22
